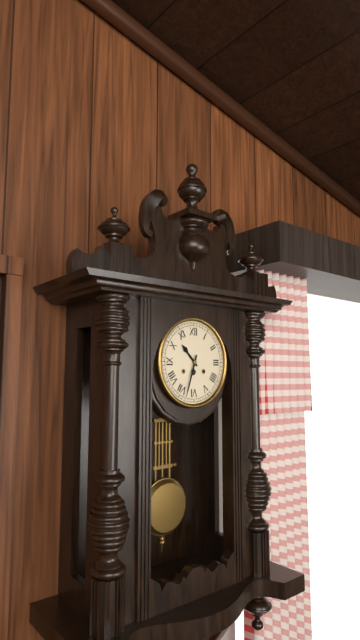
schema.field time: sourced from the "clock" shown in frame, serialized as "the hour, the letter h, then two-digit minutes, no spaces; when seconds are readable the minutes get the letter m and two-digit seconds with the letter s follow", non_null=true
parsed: 10h33
